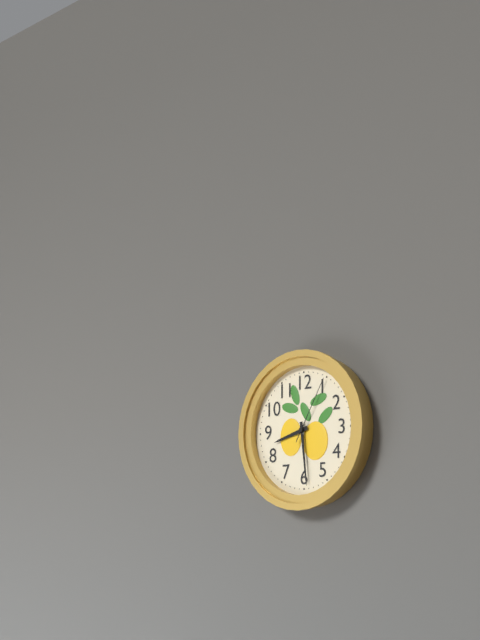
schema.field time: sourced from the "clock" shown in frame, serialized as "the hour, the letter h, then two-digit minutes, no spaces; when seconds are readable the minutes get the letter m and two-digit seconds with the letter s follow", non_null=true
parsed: 8h29m05s
